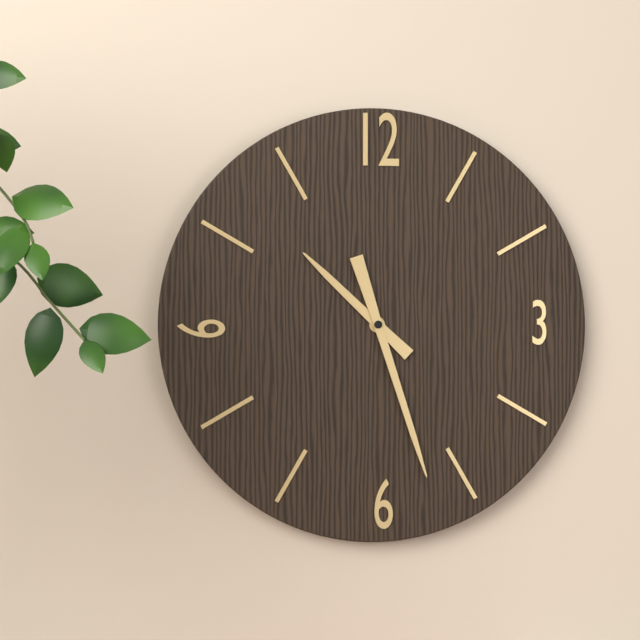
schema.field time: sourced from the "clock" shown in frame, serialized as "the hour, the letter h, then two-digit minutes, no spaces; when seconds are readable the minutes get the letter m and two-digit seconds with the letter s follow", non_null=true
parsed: 10h27
